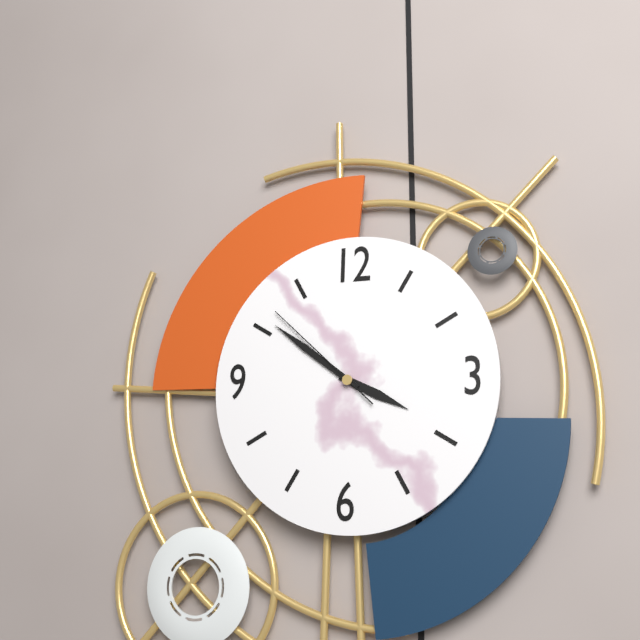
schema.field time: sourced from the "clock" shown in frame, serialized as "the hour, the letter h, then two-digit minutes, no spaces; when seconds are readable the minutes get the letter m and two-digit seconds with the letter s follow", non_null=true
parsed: 3h51m52s
